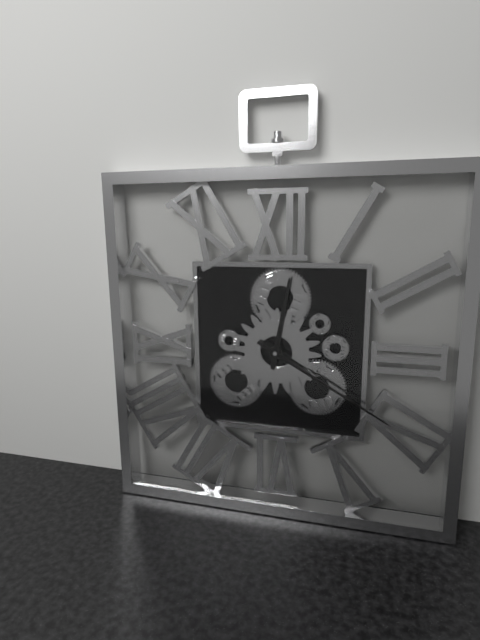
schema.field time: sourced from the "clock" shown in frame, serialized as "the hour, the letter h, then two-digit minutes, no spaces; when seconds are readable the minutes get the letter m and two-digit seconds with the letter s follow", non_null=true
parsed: 12h20
